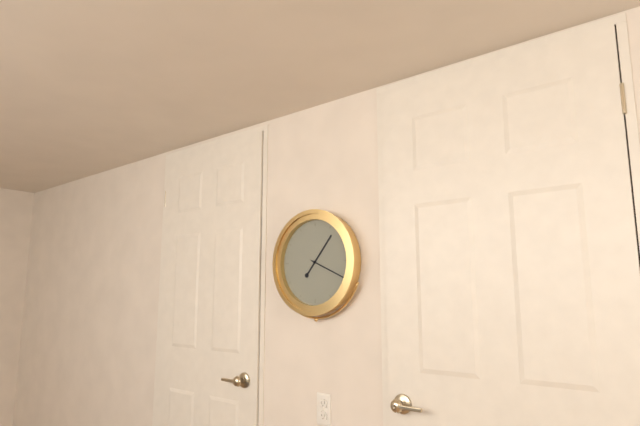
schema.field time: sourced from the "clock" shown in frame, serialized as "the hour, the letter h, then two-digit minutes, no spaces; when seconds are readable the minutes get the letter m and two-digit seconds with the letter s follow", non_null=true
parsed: 1h19
